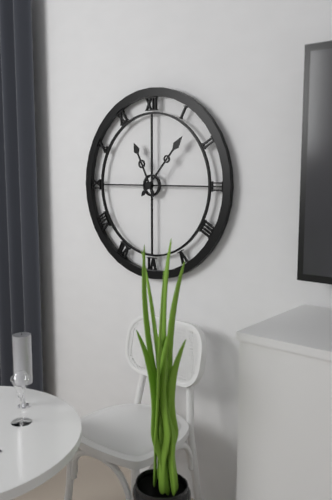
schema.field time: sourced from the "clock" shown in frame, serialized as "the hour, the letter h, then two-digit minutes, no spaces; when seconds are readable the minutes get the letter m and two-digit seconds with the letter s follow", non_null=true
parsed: 11h07
